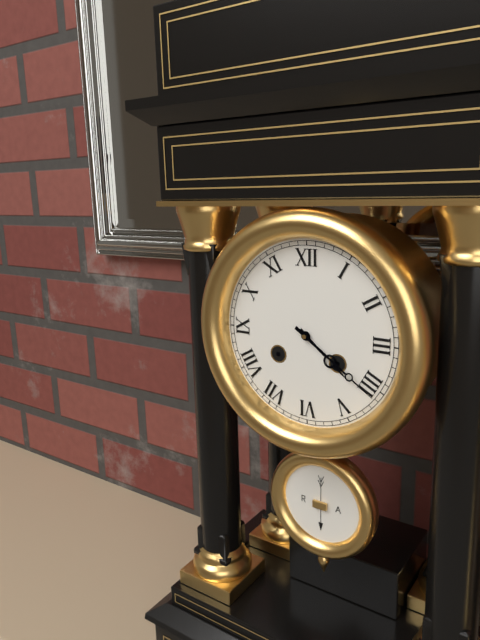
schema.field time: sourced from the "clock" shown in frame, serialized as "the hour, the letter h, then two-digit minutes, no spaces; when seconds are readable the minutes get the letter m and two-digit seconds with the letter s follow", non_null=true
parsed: 4h21
